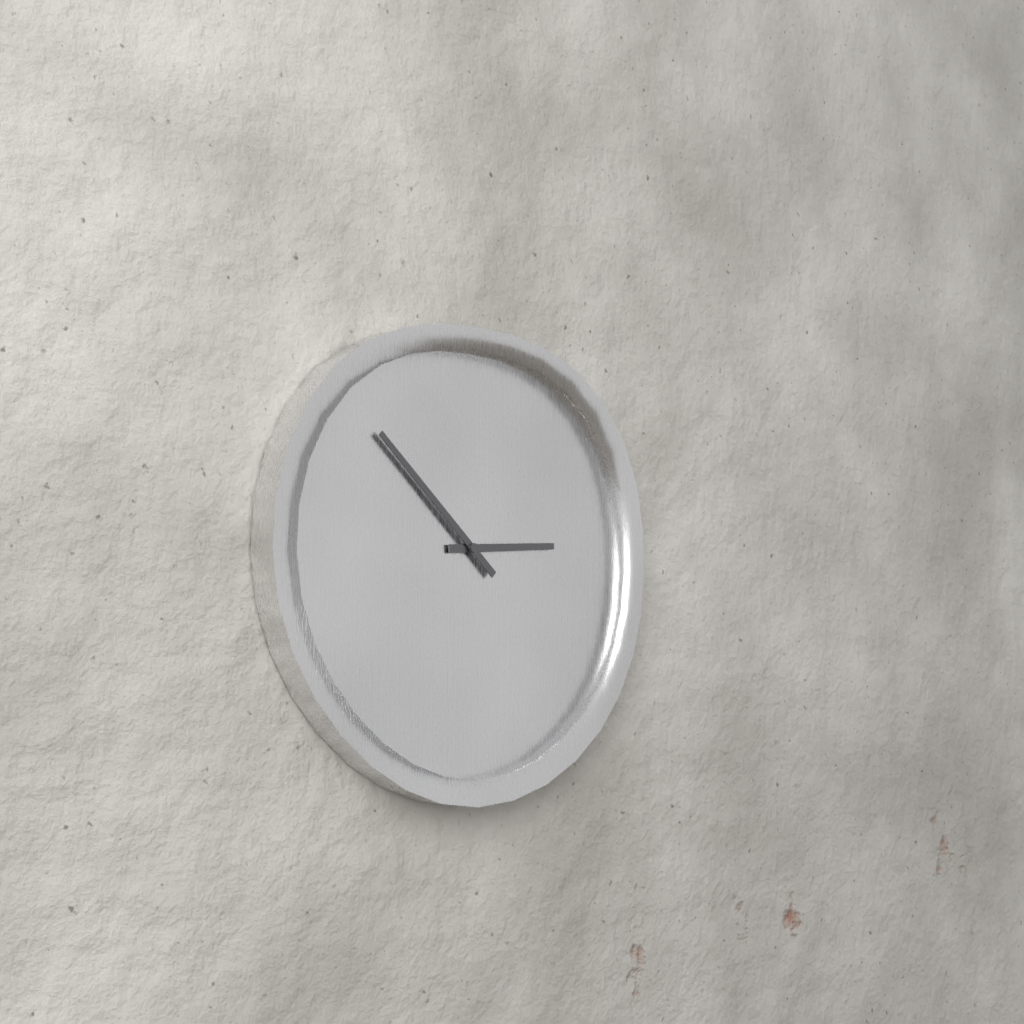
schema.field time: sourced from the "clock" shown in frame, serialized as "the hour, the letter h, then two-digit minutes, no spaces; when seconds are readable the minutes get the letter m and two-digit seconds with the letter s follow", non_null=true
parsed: 2h52
